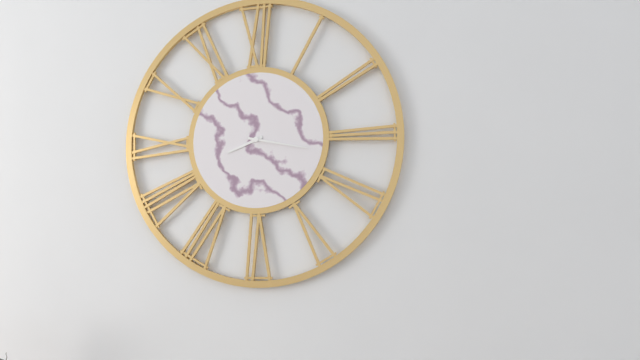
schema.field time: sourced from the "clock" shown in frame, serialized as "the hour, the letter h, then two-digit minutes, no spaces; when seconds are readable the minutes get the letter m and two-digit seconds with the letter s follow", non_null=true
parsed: 8h17
